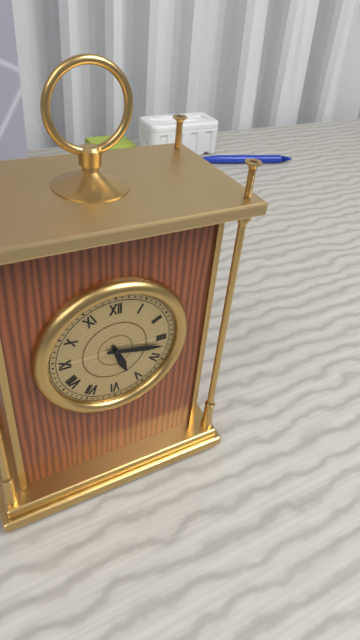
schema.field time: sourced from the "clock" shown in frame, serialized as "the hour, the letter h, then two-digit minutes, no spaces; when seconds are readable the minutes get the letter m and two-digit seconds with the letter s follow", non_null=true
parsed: 5h17
